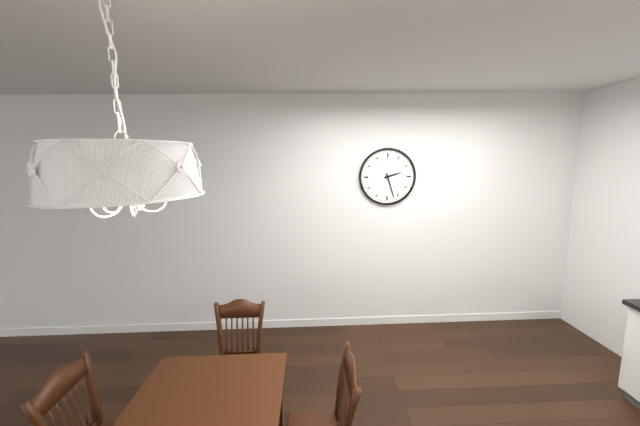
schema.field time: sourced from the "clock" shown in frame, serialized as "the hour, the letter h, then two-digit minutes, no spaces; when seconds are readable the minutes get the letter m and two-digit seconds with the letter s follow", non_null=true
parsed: 2h27
